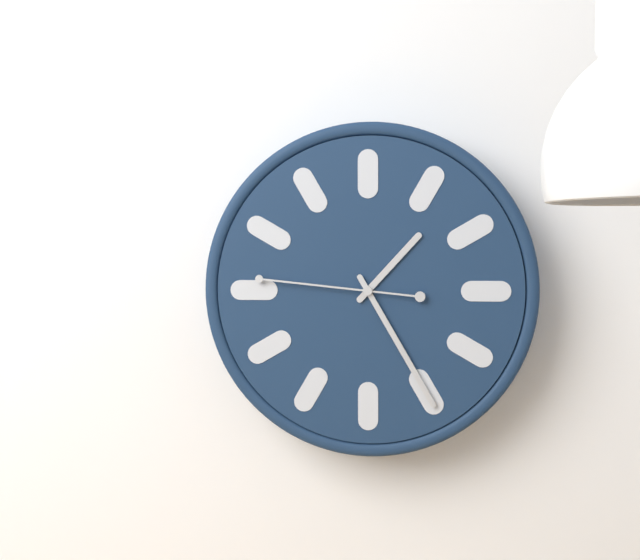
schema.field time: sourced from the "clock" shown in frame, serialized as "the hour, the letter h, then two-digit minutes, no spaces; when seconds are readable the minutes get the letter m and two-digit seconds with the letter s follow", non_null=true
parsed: 1h25m46s
